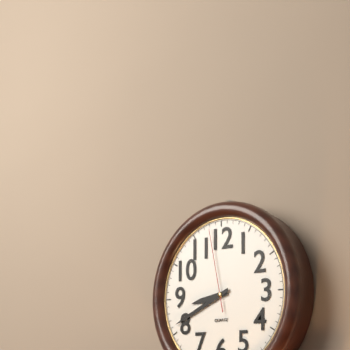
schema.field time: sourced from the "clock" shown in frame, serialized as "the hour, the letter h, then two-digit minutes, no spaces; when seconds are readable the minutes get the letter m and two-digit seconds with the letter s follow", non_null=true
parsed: 8h41m58s
